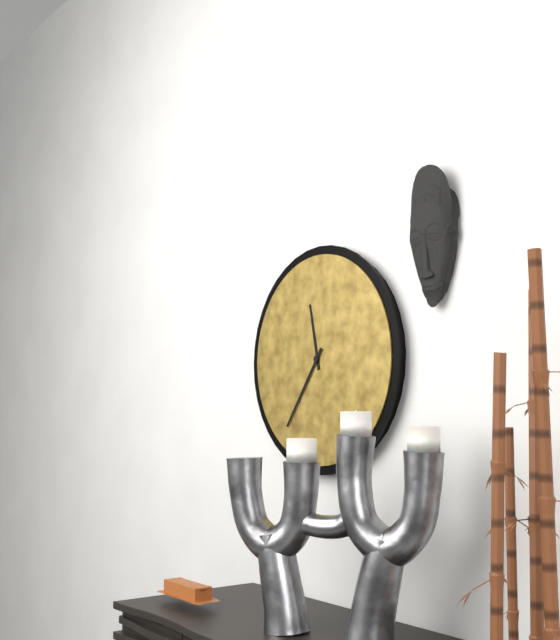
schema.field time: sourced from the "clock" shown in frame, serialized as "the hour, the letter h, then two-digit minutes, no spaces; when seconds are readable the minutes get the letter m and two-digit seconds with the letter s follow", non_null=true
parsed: 11h36
